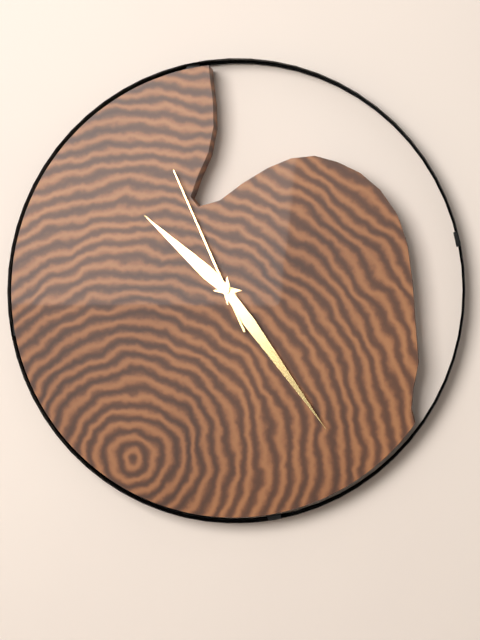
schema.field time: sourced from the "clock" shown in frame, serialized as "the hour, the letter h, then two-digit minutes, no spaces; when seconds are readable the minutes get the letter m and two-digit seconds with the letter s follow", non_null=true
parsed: 10h24m56s
